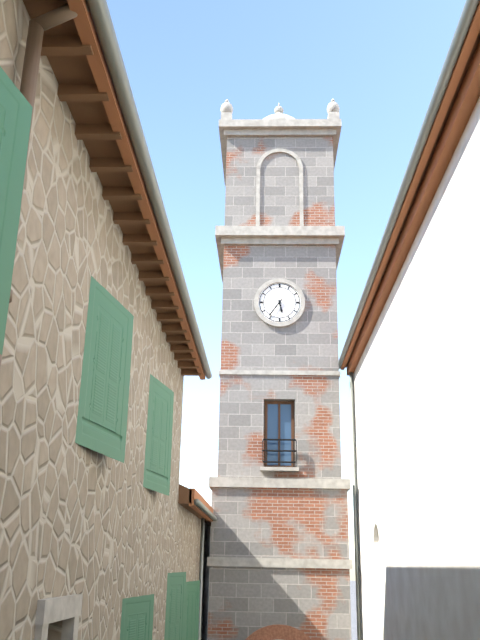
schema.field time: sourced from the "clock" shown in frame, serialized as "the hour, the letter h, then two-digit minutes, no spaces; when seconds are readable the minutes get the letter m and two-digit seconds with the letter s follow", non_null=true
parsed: 5h36
